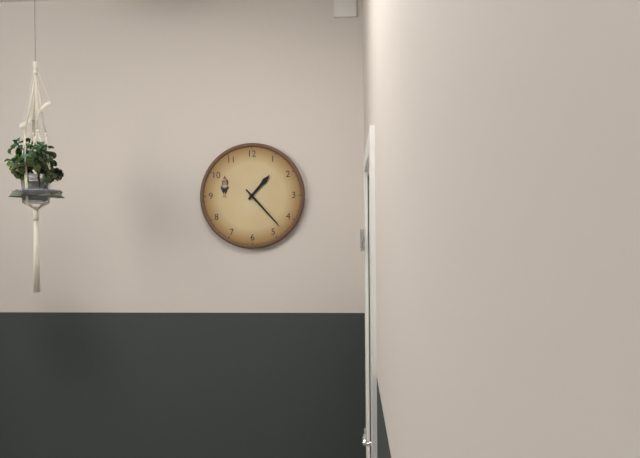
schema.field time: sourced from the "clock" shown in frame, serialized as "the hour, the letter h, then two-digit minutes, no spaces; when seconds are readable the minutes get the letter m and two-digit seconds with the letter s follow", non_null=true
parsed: 1h23
